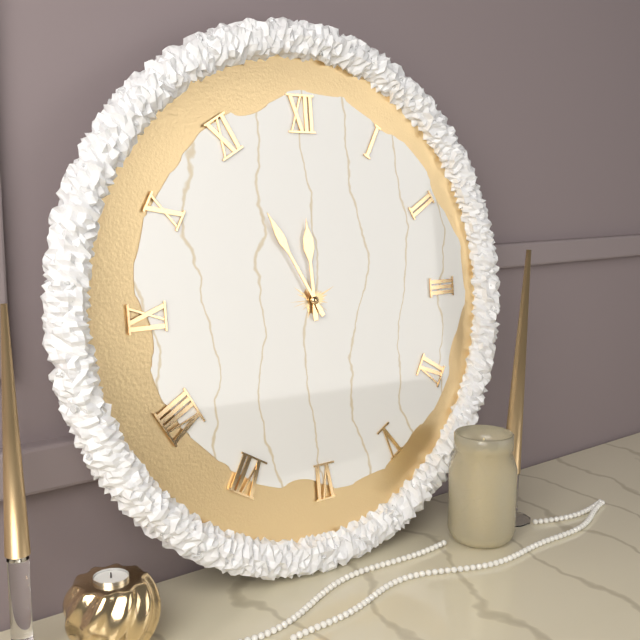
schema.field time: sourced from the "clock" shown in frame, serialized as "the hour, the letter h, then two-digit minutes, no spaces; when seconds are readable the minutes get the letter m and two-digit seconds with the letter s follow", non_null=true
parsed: 11h55
